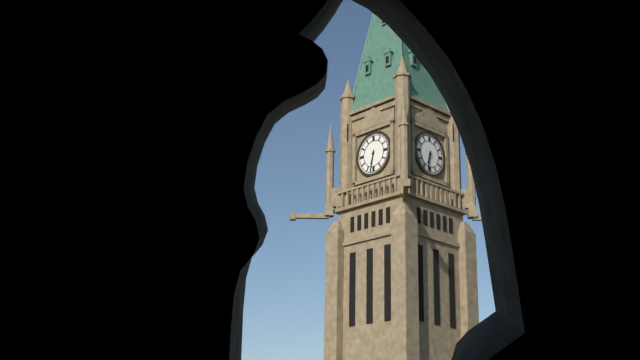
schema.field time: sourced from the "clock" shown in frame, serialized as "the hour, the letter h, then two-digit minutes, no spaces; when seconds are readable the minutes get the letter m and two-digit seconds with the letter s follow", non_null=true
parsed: 6h32
